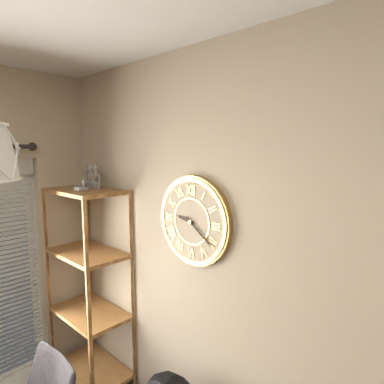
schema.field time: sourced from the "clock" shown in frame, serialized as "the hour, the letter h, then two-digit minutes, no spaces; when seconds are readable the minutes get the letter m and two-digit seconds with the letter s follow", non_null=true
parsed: 9h21
